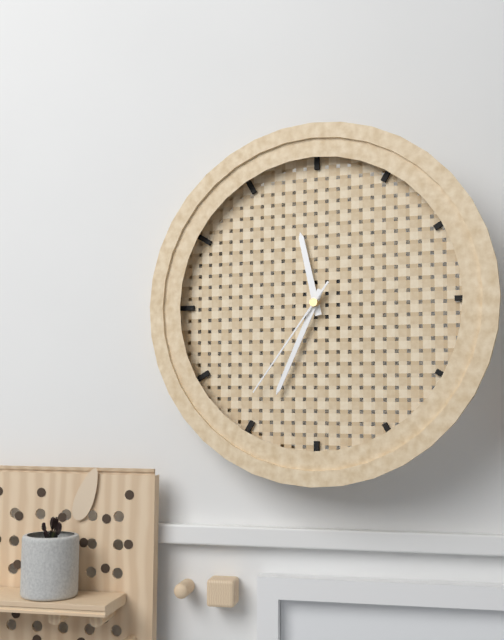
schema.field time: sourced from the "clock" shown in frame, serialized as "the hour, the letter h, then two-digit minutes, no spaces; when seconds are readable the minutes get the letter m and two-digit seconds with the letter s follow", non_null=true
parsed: 11h34m36s
